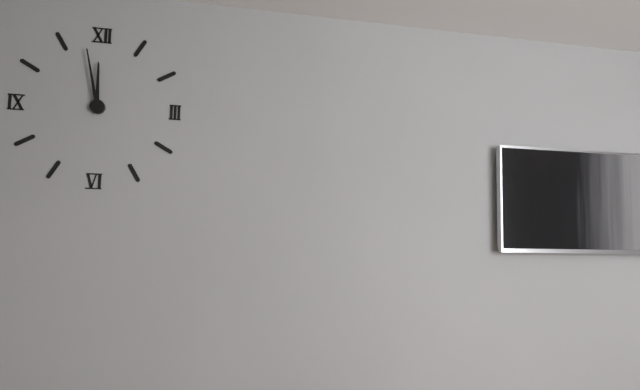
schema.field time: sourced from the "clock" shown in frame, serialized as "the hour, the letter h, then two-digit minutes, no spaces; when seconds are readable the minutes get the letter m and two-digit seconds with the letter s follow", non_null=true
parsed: 11h58
